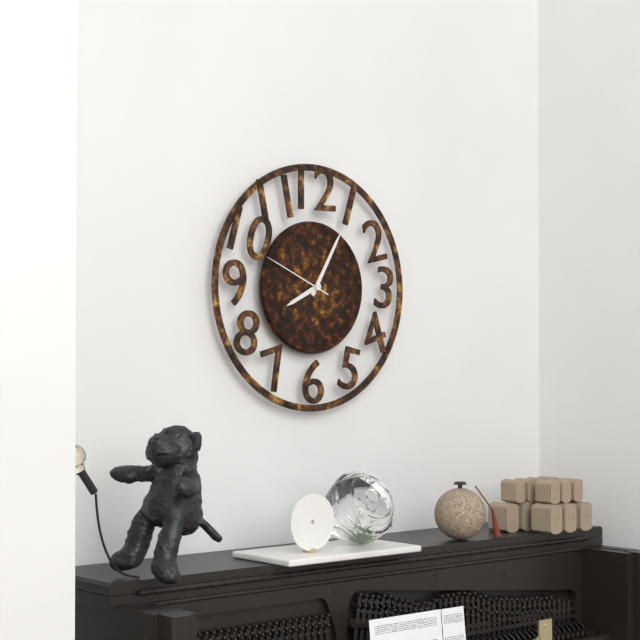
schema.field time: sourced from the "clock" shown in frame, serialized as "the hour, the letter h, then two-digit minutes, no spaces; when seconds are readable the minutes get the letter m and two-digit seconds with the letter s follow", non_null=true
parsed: 8h05m49s
